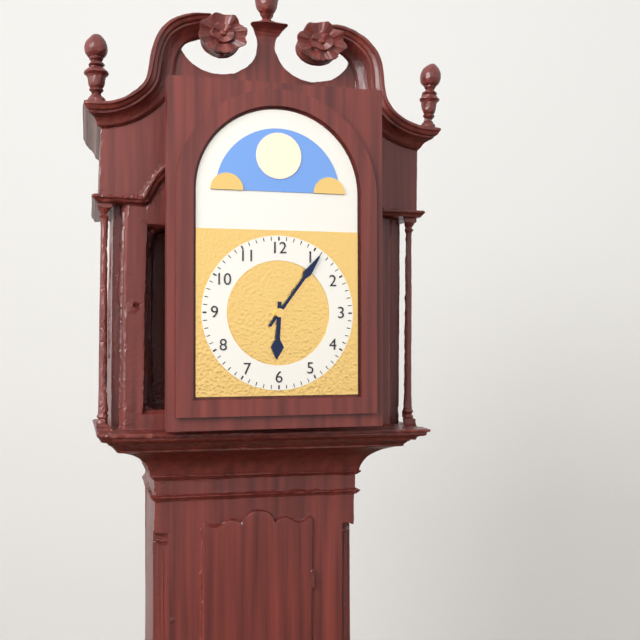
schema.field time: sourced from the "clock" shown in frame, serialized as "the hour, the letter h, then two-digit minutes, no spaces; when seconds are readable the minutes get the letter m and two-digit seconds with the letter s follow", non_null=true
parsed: 6h06
